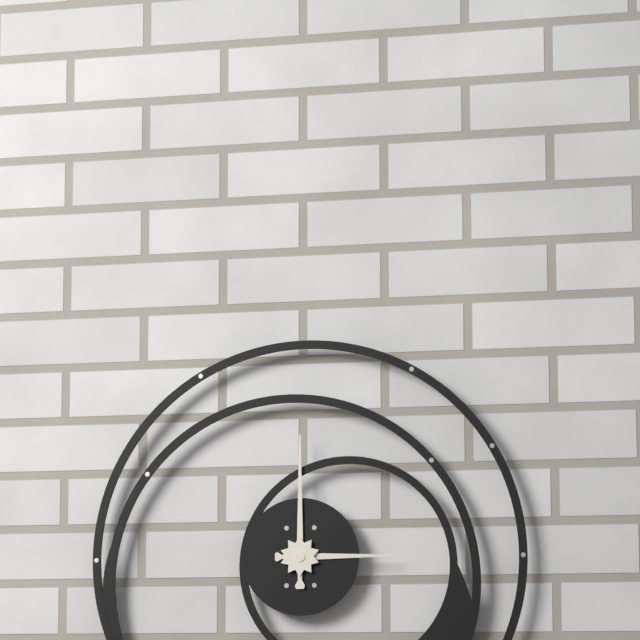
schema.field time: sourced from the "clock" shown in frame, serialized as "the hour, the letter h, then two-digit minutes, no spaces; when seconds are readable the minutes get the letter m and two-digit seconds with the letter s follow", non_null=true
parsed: 3h00
